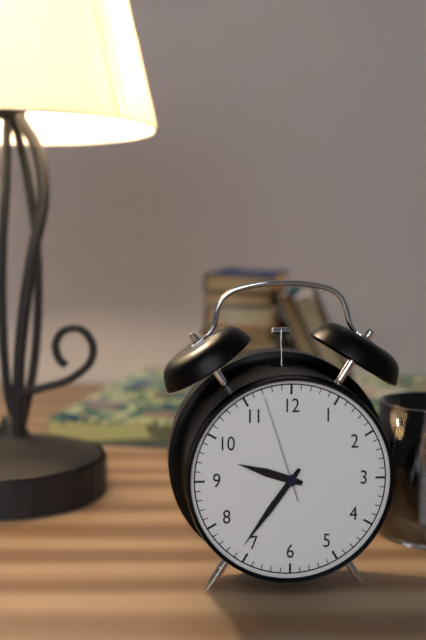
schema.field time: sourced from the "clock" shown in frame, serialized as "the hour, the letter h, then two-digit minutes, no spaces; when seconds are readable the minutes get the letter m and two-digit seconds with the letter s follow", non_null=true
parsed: 9h36m57s
